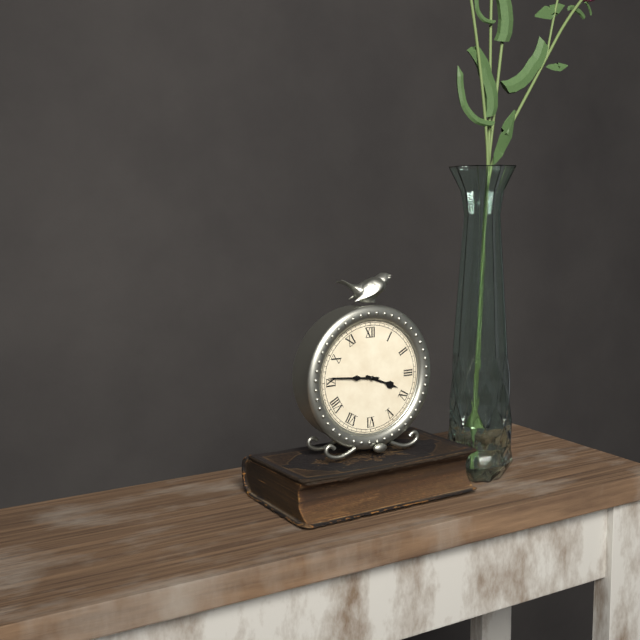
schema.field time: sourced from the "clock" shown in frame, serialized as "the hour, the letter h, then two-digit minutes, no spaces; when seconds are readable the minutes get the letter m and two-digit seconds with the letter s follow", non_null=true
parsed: 3h46
